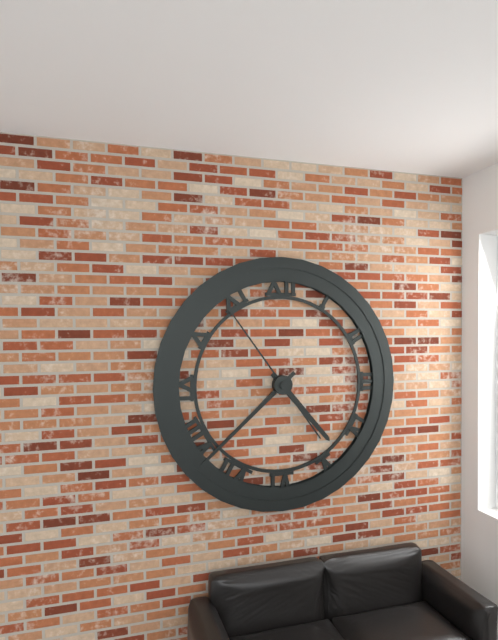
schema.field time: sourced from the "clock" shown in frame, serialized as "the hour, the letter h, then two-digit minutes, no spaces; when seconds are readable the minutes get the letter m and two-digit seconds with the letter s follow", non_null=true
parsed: 4h38m54s
